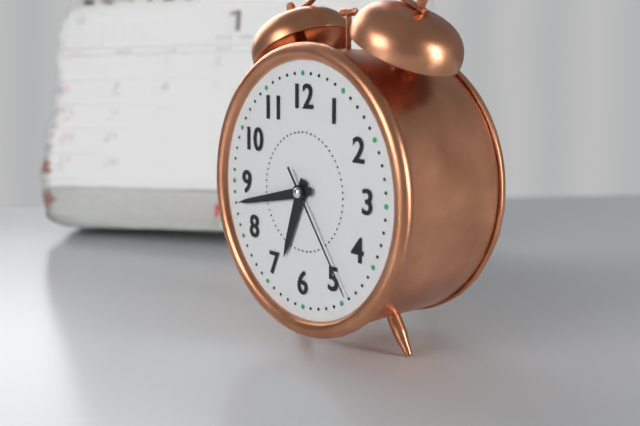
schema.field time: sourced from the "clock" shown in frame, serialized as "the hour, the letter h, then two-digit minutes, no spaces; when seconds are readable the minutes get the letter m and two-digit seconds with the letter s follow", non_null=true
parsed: 6h43m24s
